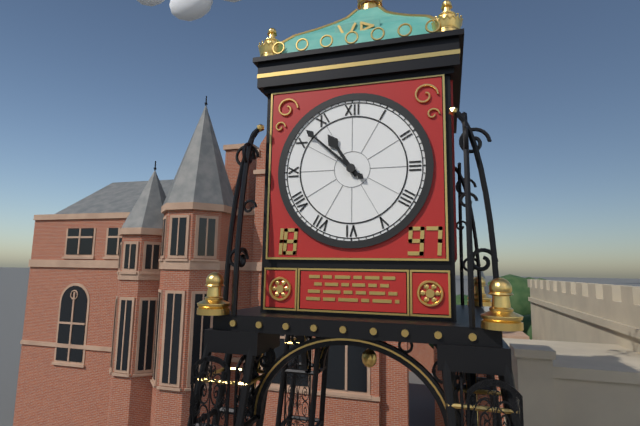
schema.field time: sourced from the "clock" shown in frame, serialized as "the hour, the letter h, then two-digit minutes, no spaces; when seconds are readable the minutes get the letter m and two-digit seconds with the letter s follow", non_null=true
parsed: 10h52
